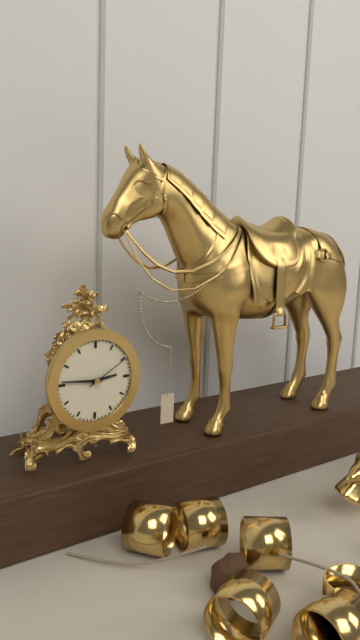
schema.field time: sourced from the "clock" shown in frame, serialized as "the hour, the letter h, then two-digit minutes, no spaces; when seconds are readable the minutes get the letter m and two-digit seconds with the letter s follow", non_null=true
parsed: 2h46
